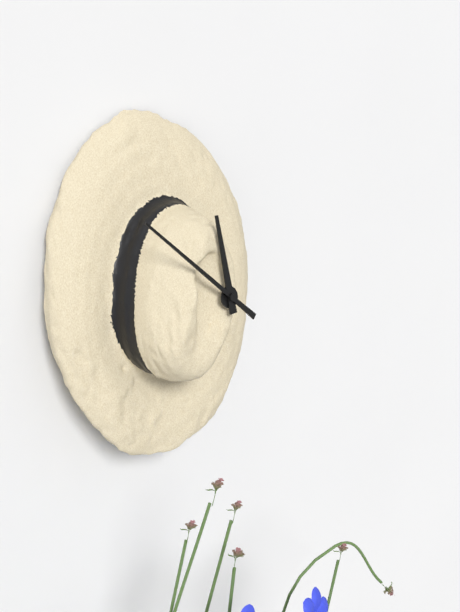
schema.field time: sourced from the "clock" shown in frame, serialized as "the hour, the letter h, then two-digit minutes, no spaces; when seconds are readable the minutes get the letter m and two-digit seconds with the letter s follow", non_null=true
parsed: 11h52
